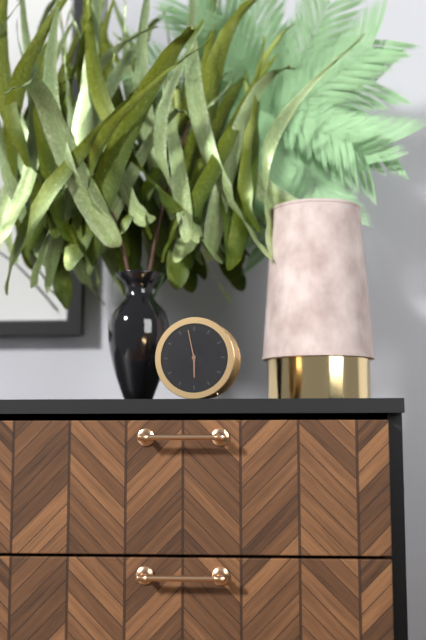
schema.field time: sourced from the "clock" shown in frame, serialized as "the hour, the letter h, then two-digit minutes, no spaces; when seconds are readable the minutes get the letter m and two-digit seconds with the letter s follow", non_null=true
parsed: 5h58
